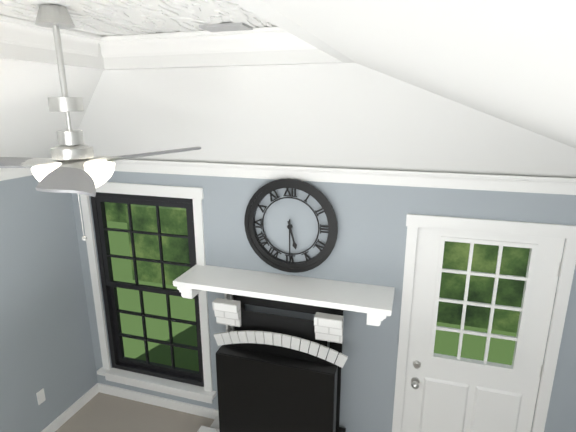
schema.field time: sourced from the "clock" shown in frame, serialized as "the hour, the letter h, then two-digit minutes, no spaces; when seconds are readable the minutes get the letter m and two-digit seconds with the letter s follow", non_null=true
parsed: 5h30
